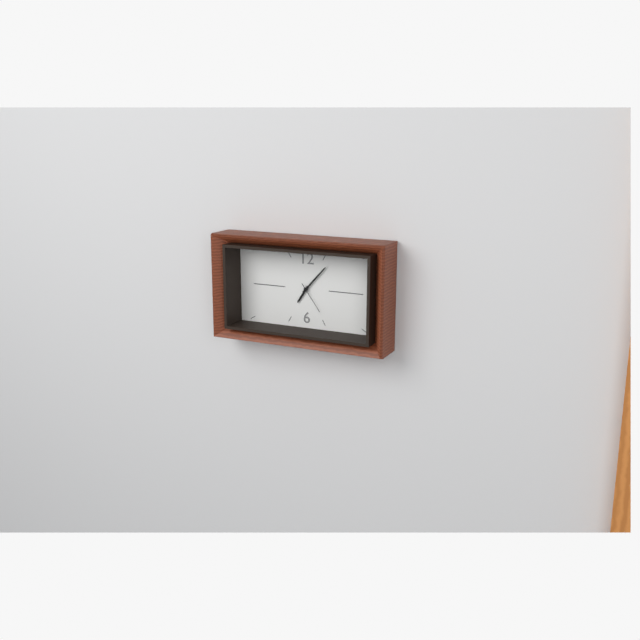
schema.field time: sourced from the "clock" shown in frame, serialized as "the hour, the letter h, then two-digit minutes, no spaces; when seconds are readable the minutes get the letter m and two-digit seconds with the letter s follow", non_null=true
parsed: 7h07
